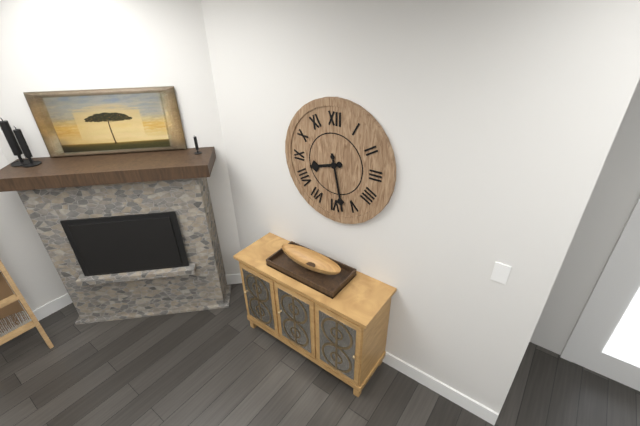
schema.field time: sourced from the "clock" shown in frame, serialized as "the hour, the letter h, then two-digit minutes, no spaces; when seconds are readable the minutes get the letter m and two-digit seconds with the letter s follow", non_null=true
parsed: 8h28
